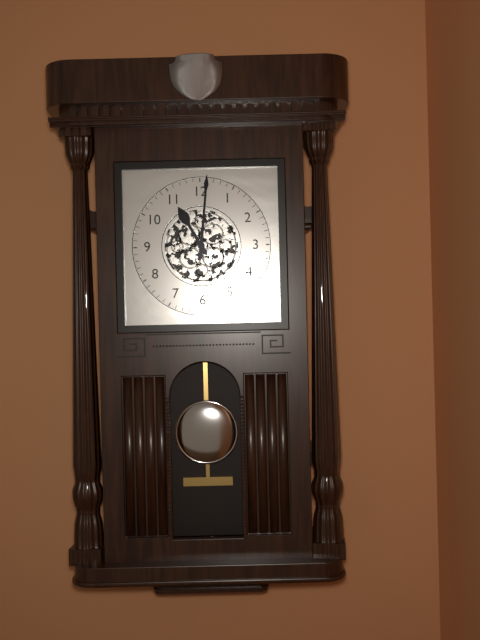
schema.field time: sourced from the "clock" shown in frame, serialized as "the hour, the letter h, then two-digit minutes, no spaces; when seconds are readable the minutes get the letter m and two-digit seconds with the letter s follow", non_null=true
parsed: 11h01
